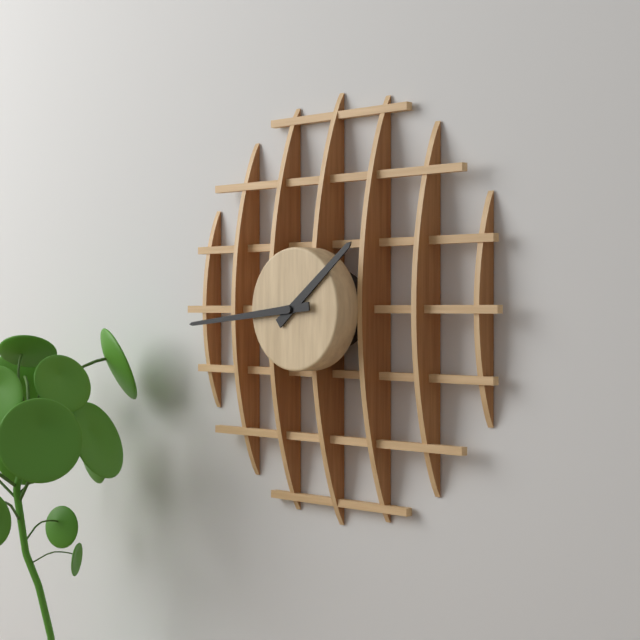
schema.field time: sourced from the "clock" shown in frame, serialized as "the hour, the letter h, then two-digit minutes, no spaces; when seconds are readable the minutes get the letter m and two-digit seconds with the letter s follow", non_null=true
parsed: 1h44
